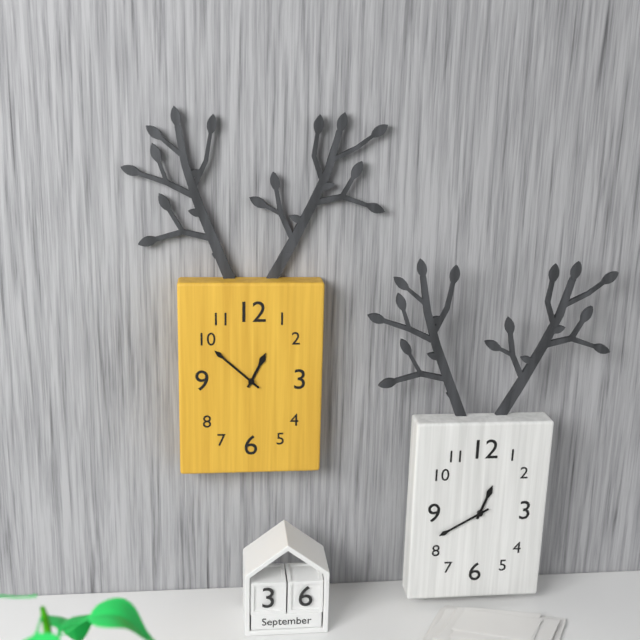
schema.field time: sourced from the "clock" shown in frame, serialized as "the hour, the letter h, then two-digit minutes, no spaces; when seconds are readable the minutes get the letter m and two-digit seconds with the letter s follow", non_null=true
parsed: 12h52
